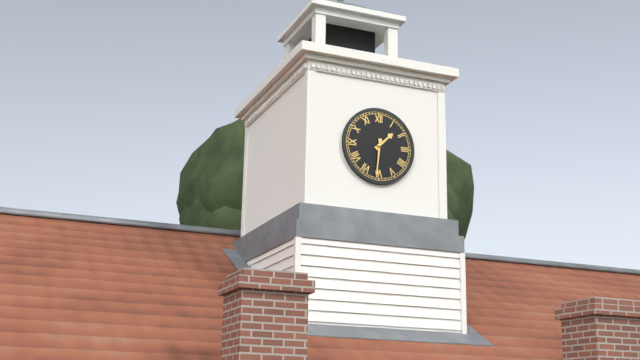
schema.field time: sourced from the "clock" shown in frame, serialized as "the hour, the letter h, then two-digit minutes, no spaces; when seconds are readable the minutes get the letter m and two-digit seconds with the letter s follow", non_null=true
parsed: 1h31
